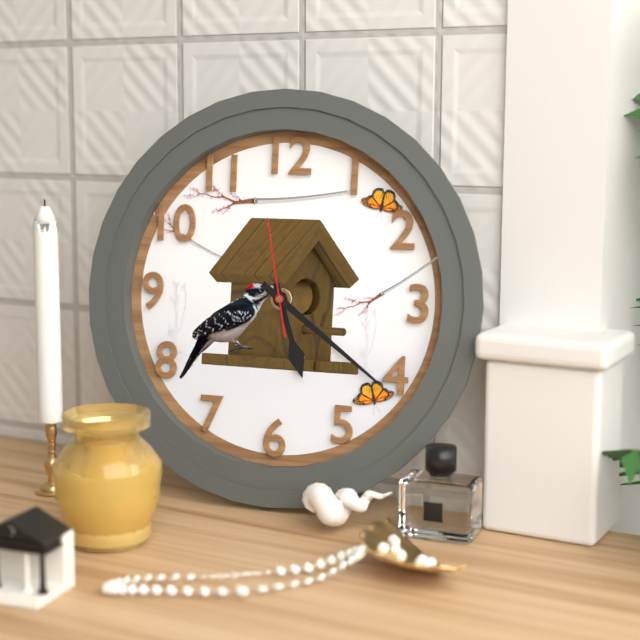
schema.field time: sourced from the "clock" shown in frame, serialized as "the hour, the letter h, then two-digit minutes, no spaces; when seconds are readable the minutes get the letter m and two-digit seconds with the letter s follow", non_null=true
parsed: 5h21m58s
